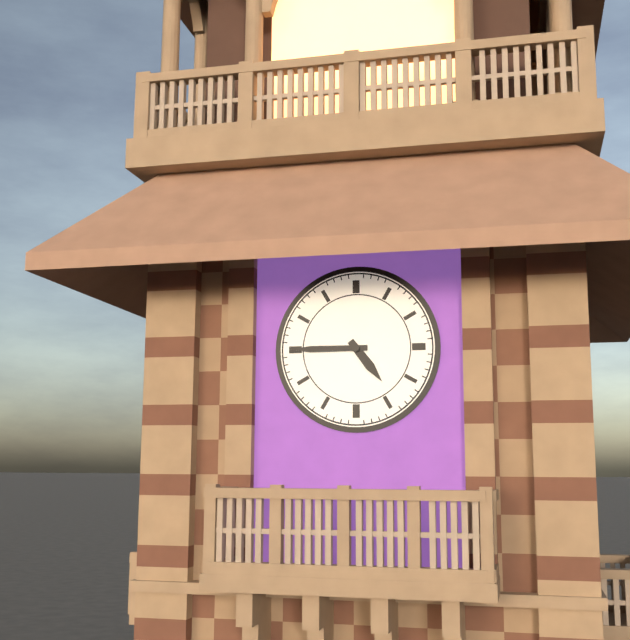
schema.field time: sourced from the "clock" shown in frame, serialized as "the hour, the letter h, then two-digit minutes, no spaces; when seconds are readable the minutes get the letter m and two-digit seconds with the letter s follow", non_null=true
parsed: 4h45
